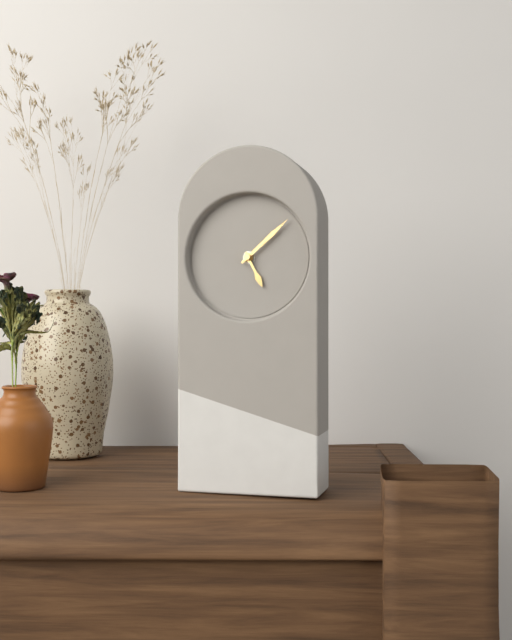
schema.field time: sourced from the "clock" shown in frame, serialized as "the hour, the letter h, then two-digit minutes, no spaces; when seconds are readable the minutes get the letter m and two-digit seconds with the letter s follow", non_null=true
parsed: 5h08
